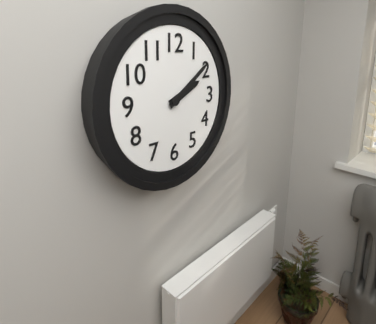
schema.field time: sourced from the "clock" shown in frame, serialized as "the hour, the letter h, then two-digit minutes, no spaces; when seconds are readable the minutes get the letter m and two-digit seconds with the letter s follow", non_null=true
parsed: 2h09
